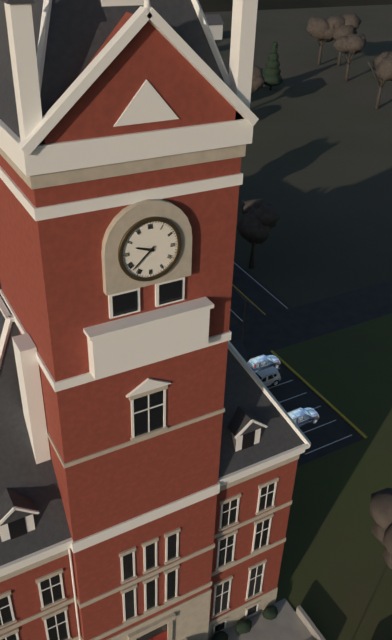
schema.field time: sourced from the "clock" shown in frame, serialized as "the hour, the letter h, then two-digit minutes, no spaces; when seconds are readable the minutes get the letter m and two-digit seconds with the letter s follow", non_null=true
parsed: 9h38
